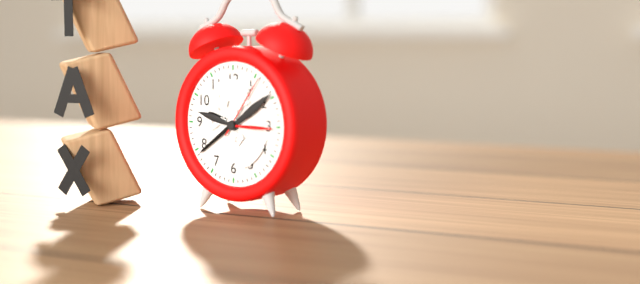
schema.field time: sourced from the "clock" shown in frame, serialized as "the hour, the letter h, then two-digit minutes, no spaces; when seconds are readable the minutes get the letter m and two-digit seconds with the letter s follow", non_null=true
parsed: 9h39m06s
